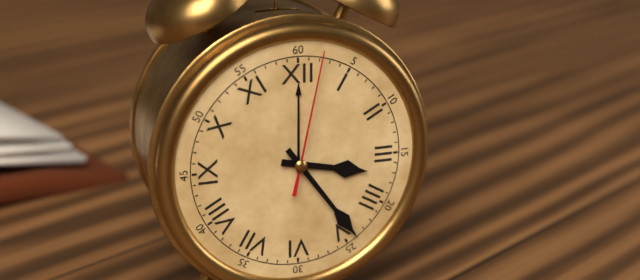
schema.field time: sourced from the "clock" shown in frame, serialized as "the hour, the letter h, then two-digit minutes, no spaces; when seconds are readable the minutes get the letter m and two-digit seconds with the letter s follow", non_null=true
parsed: 3h24m02s
